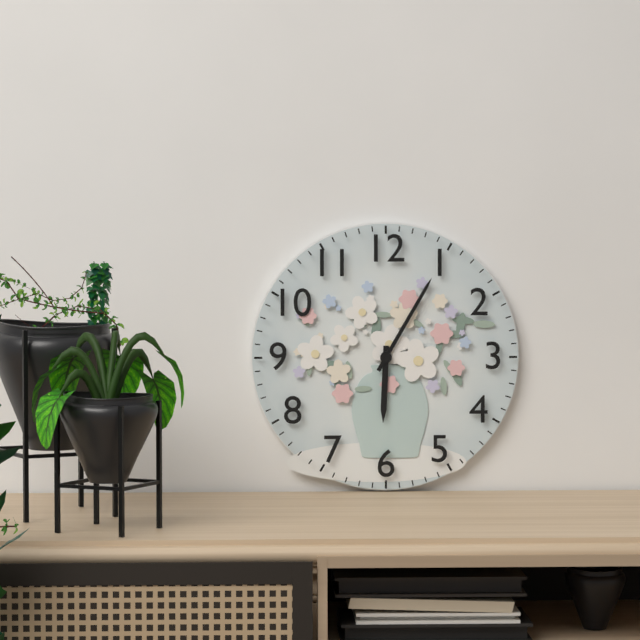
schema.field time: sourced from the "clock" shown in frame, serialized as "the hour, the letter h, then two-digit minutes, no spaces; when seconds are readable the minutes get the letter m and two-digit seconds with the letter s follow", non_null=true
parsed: 6h05
